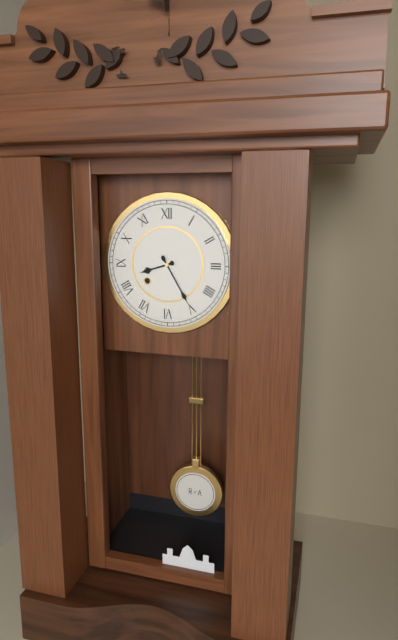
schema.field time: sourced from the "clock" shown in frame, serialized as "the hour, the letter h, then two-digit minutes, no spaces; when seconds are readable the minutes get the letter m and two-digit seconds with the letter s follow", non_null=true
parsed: 8h25
